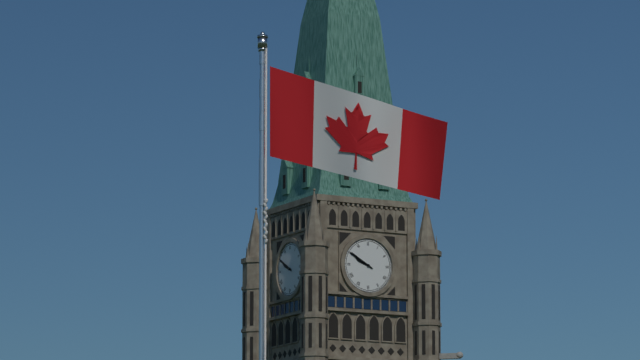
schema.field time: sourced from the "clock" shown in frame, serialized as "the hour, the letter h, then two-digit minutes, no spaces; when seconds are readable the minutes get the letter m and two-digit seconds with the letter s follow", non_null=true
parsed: 9h50
